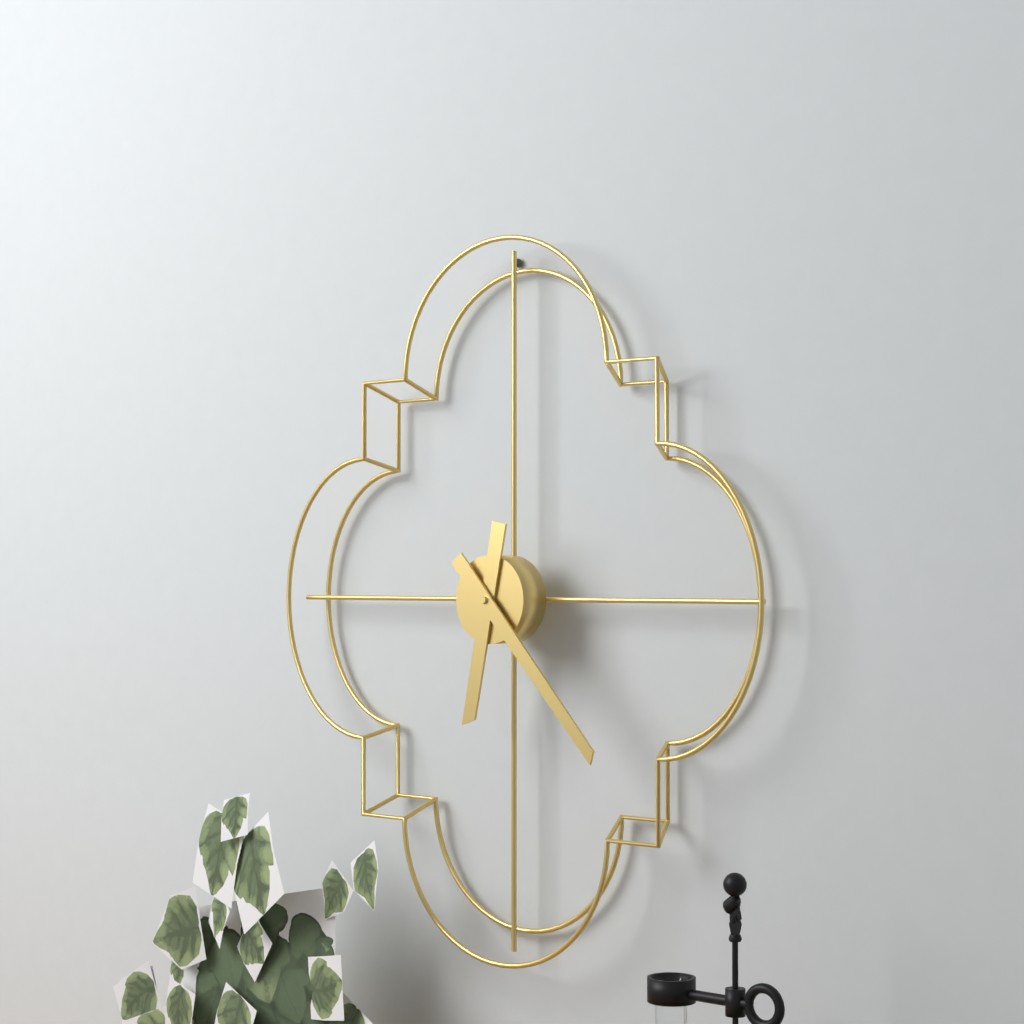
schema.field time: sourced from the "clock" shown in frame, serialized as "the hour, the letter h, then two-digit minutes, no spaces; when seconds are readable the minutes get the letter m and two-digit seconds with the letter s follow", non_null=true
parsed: 6h23
